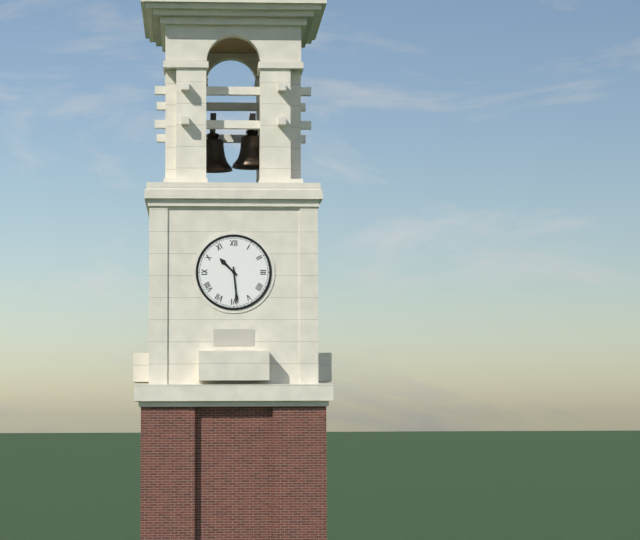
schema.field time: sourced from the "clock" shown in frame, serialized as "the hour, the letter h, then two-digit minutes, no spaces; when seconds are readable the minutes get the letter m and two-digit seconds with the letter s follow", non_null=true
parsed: 10h29
